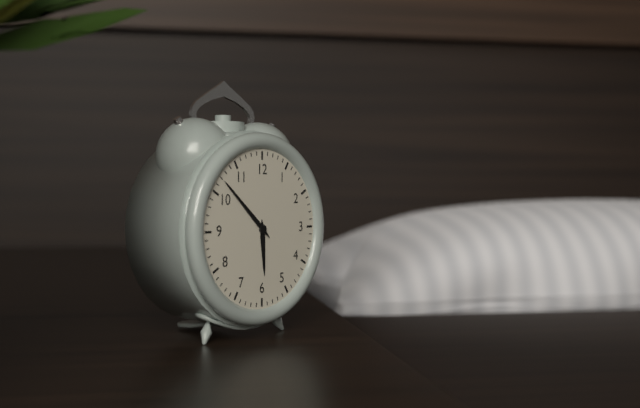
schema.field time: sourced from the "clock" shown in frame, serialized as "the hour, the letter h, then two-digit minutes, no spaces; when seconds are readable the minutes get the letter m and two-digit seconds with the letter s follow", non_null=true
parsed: 5h52
